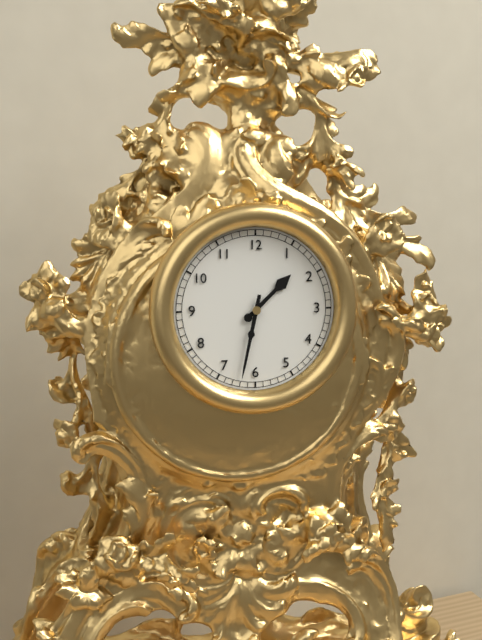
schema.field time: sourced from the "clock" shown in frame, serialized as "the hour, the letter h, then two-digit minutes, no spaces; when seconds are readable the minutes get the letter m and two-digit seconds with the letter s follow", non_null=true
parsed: 1h32
